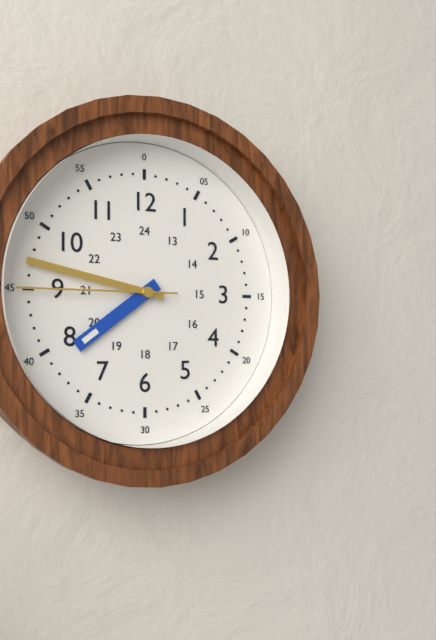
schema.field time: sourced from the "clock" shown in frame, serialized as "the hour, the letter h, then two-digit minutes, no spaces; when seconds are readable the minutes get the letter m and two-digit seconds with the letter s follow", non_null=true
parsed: 7h47m45s
